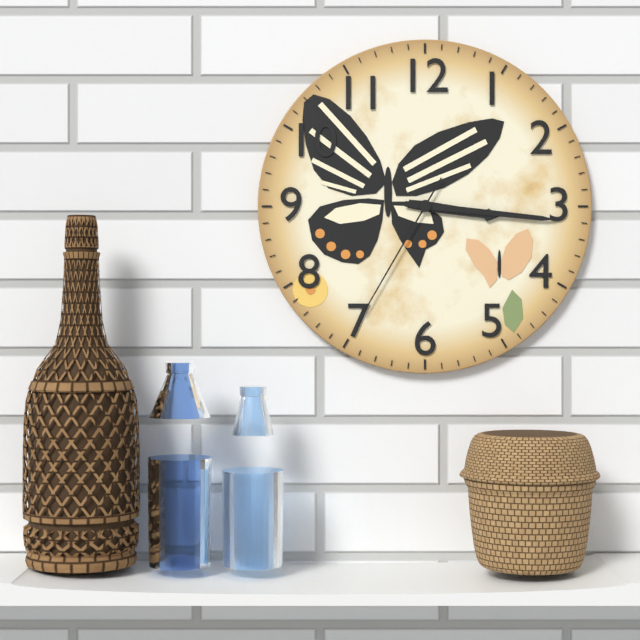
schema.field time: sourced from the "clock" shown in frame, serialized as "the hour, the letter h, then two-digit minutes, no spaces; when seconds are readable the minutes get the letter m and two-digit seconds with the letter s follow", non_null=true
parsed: 3h16m35s
